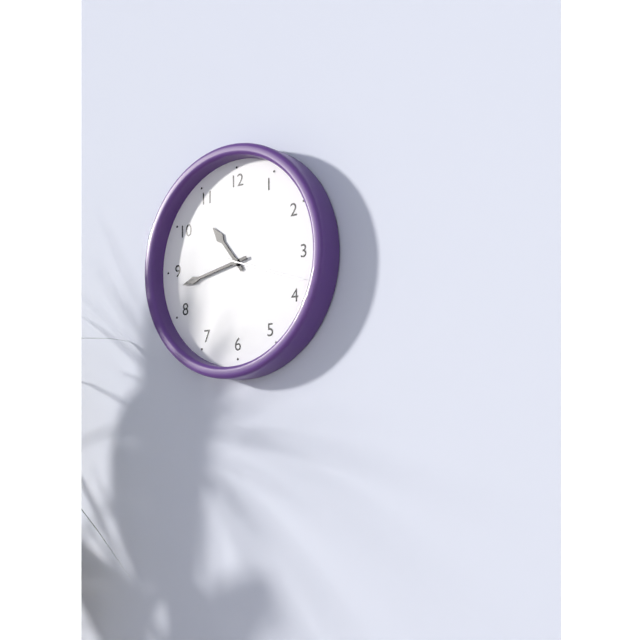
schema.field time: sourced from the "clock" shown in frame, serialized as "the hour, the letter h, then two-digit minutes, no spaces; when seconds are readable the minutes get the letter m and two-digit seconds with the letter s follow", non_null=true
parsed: 10h43m18s
